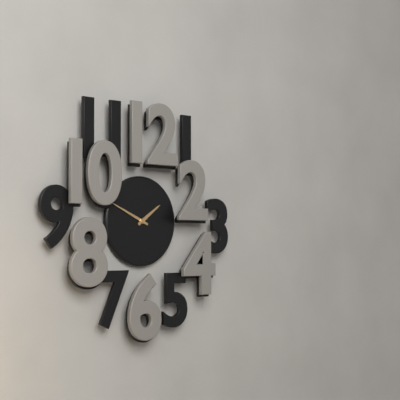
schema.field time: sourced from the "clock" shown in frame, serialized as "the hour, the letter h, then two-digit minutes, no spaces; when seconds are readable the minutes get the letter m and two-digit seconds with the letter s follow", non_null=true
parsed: 1h49
